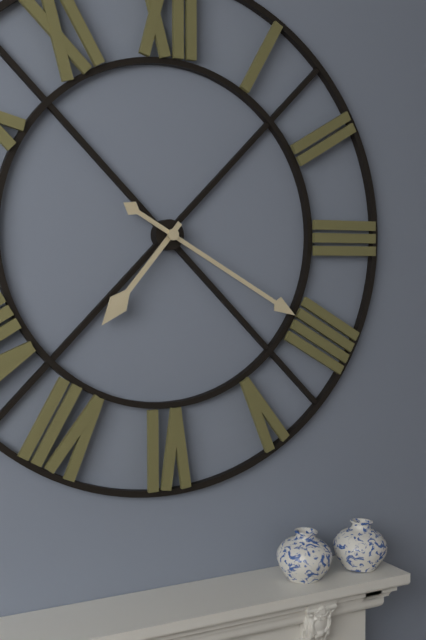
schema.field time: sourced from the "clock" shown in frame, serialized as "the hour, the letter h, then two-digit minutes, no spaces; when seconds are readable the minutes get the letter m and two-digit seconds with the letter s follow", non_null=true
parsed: 7h20
